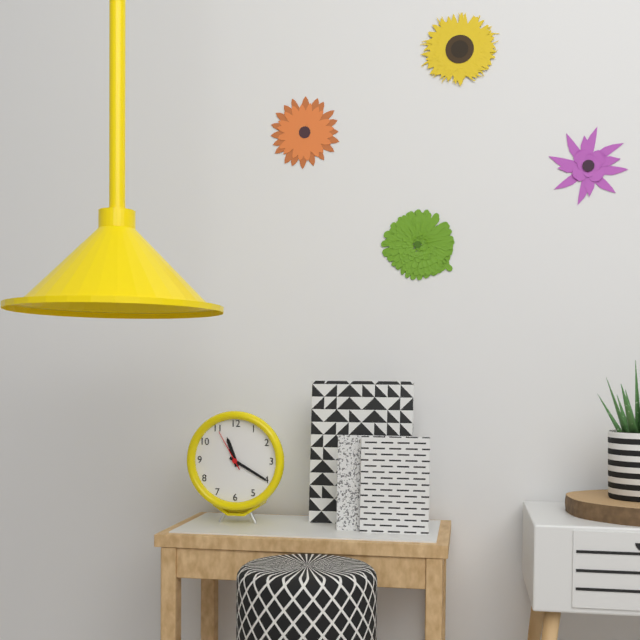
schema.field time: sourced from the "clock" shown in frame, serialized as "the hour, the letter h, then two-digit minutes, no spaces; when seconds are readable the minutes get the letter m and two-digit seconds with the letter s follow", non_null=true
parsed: 11h20
